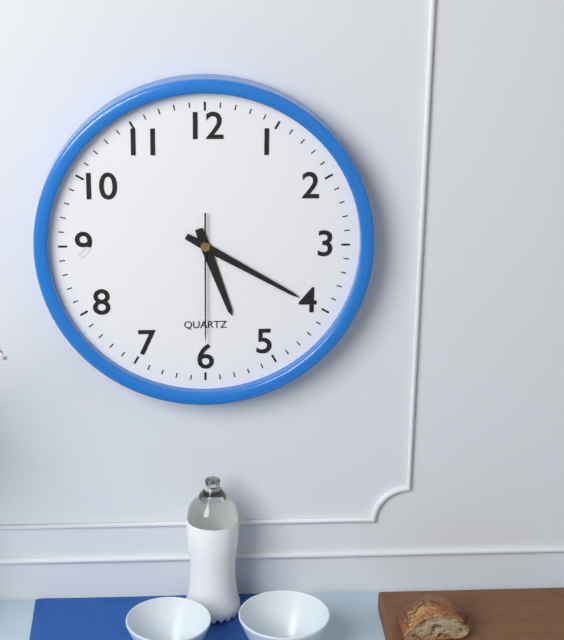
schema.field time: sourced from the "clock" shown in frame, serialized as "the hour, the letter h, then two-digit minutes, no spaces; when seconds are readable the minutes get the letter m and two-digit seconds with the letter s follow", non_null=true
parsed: 5h20m30s
